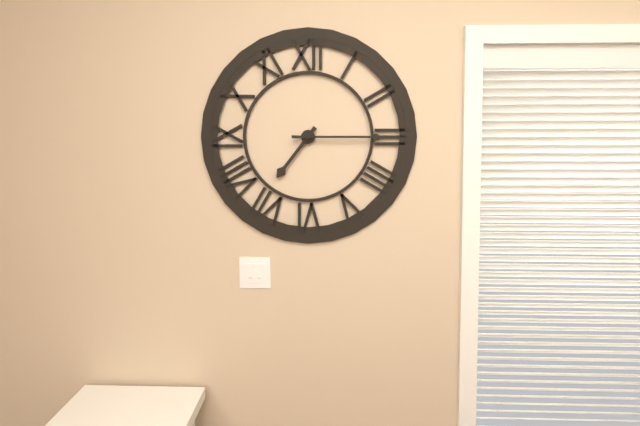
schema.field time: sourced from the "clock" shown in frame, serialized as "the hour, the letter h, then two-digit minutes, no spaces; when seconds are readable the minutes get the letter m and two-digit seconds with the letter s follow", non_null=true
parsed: 7h15
